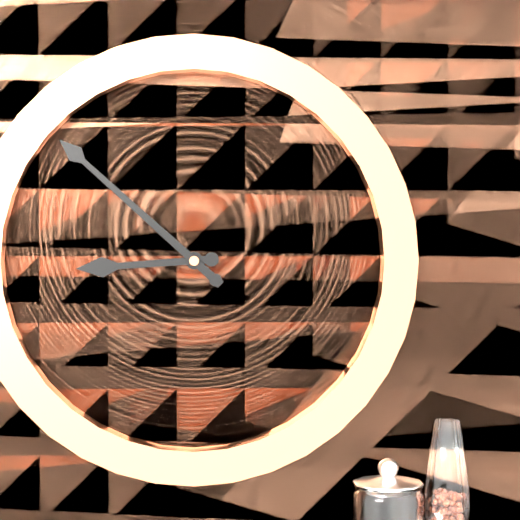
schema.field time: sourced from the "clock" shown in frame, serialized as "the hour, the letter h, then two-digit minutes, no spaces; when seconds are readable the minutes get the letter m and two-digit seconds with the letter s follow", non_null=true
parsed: 8h52
